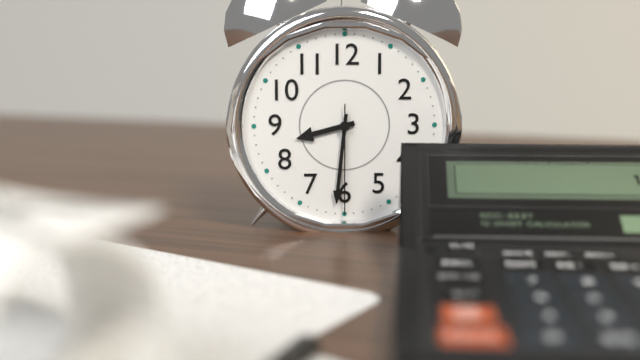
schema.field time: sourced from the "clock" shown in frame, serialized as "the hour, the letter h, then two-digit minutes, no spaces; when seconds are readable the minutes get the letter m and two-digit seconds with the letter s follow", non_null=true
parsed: 8h31m30s
